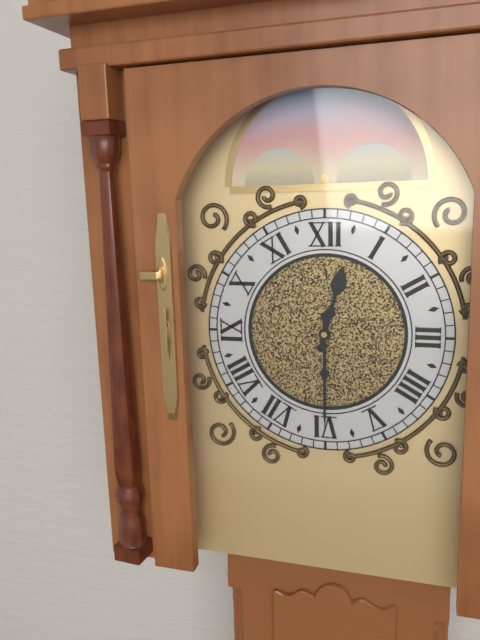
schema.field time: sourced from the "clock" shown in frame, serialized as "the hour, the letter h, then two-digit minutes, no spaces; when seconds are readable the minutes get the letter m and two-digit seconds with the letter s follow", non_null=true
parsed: 12h30
